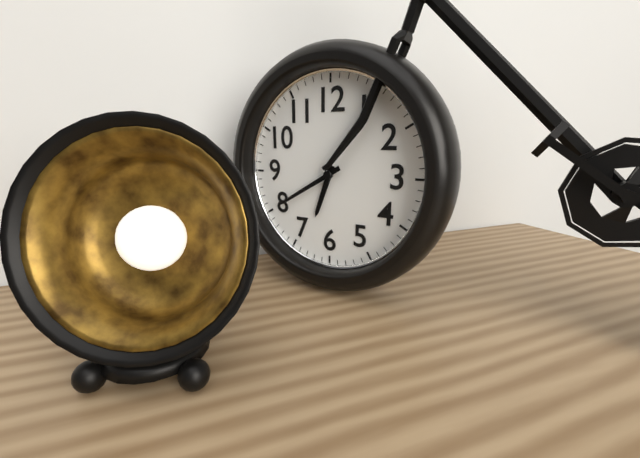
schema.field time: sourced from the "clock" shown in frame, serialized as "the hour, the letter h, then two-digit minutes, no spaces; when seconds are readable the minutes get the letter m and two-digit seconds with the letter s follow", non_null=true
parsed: 6h40
